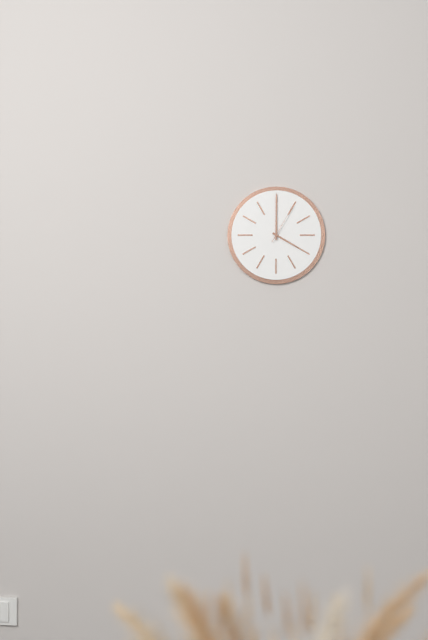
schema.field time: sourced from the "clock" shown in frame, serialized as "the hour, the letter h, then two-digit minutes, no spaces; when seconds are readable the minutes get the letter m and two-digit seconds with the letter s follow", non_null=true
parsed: 4h00
